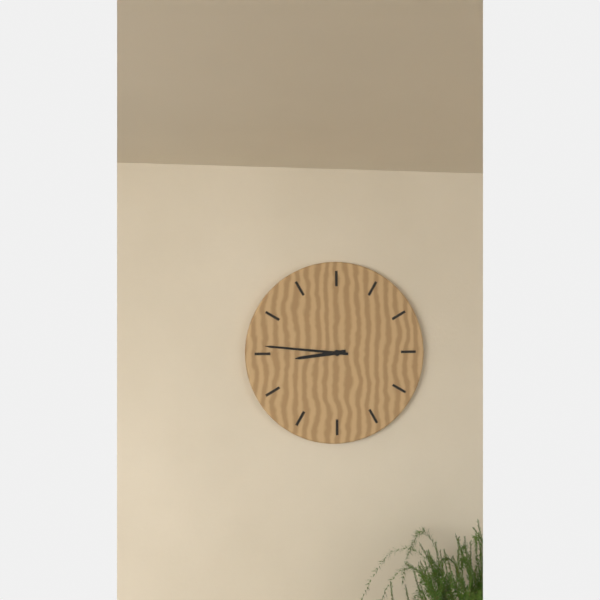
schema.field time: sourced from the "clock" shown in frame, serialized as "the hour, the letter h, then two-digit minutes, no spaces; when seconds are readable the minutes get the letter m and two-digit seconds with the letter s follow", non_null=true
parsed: 8h46
